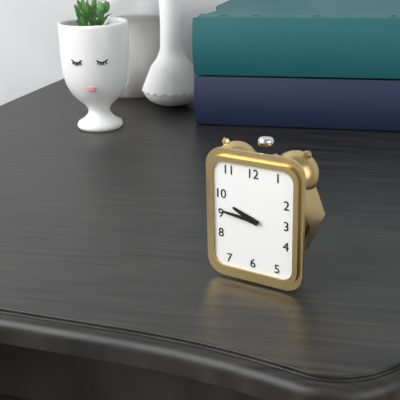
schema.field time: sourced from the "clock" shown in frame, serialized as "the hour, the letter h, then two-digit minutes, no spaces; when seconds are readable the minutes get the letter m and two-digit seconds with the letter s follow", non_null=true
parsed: 9h46
